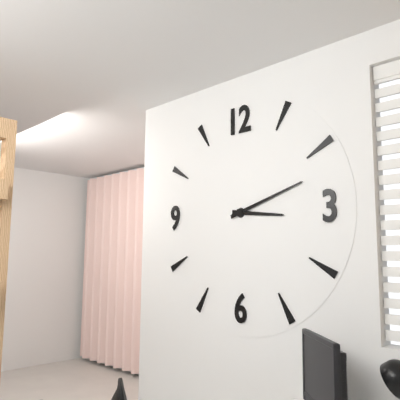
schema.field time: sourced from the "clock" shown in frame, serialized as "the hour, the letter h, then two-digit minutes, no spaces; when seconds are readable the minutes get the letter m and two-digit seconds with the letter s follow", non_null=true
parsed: 3h12
